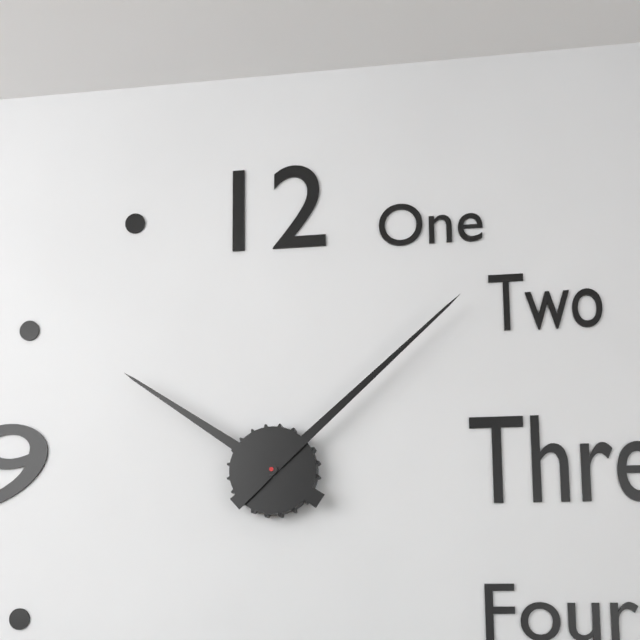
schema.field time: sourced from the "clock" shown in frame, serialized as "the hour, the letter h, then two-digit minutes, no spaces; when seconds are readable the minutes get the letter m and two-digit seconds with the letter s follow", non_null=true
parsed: 10h08
